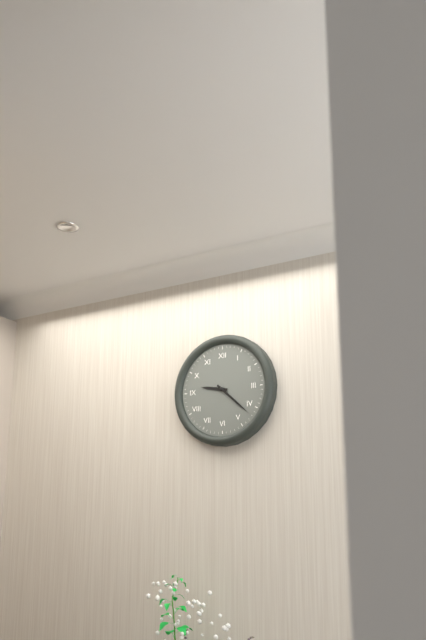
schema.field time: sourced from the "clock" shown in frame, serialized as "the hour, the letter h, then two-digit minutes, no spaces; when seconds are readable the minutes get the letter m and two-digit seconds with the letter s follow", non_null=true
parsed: 9h22
